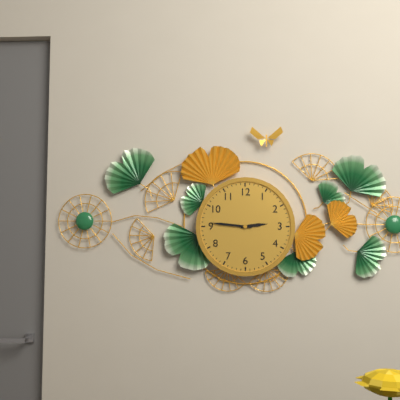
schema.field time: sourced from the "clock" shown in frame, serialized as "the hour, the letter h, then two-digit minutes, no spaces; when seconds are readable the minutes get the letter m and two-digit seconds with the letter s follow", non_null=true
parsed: 2h46
